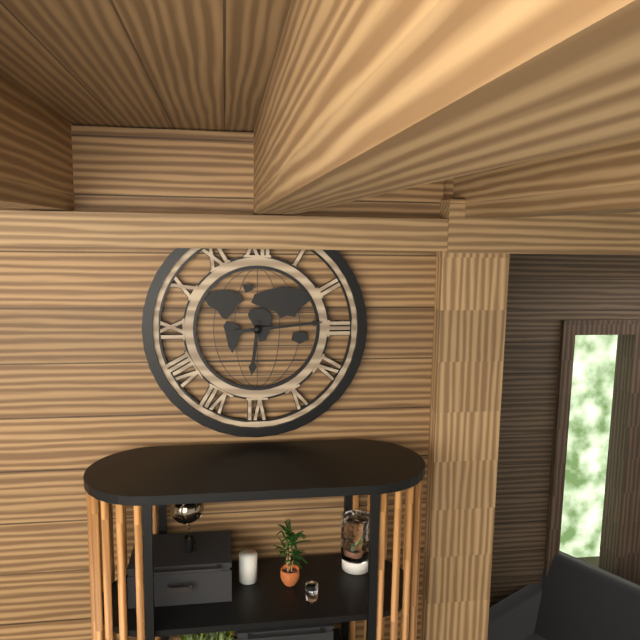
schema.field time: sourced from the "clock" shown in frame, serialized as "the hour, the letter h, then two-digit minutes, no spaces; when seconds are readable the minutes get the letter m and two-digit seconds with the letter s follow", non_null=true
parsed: 6h14
